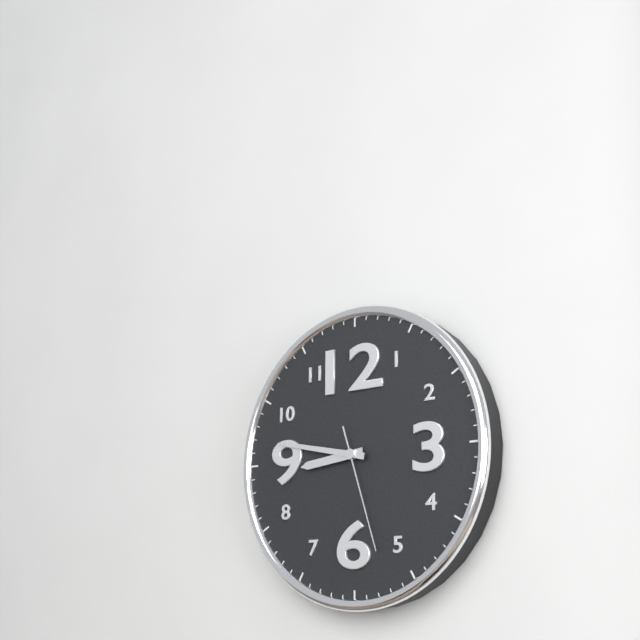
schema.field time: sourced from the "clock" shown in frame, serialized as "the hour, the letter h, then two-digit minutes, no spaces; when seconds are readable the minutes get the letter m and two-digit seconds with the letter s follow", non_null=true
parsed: 8h47m27s
